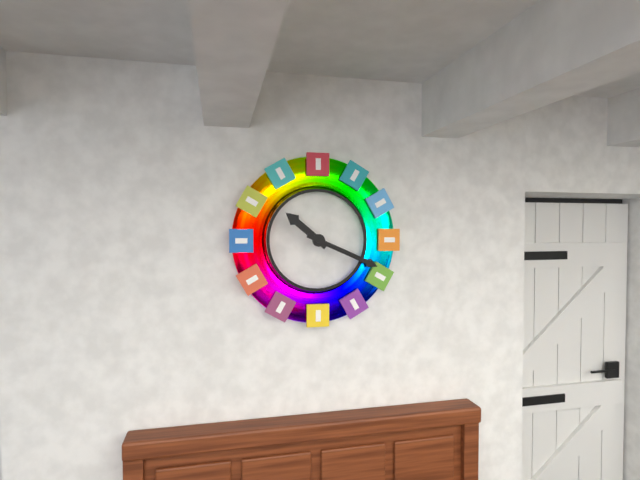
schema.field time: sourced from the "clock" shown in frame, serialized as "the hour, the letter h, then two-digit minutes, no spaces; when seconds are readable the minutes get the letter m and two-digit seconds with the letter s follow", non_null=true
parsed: 10h19
